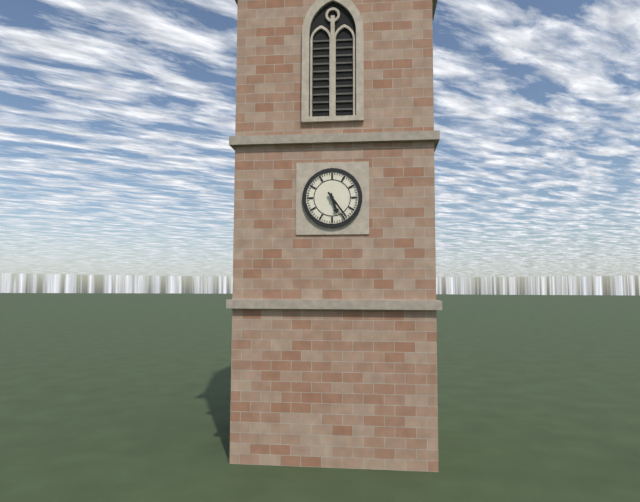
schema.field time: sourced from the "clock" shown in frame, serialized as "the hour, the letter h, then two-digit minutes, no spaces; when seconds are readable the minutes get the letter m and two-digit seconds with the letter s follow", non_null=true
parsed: 5h24
